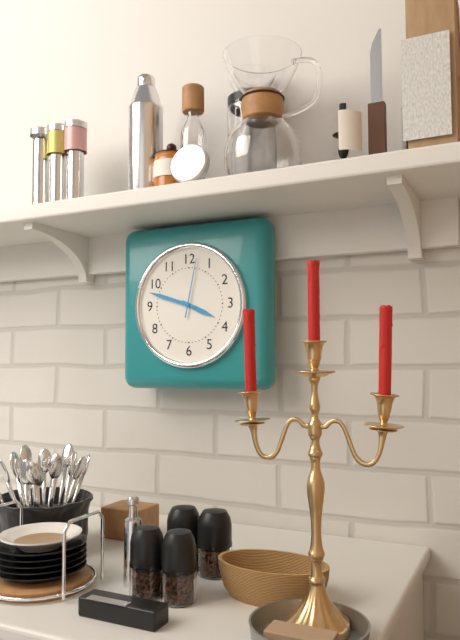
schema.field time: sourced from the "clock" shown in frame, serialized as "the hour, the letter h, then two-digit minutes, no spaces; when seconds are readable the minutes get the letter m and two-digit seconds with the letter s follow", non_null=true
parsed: 3h48m02s
